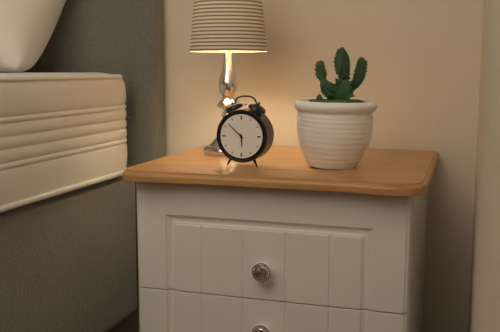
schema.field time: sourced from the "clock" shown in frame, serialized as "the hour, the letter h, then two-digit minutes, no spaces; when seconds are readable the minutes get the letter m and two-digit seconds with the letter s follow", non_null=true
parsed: 5h52
